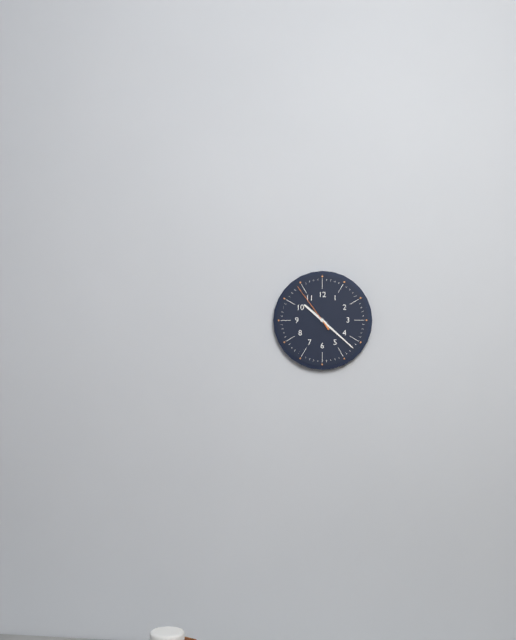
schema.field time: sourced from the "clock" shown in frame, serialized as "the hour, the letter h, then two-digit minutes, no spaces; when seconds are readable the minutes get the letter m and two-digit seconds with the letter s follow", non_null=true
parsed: 10h22m54s
